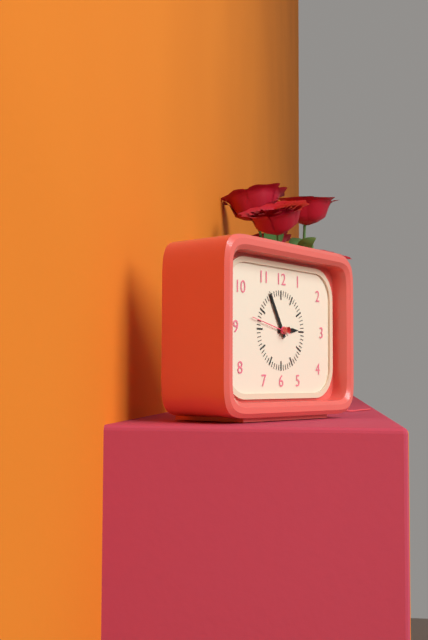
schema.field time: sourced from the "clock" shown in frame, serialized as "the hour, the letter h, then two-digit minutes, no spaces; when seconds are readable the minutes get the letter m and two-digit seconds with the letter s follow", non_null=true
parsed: 2h55
